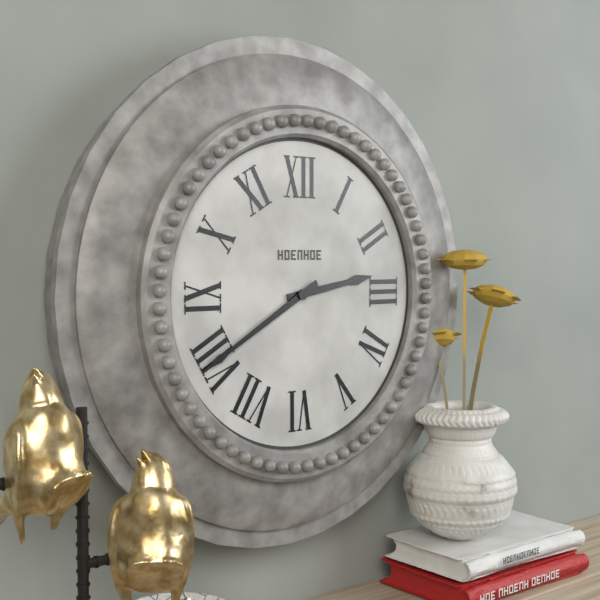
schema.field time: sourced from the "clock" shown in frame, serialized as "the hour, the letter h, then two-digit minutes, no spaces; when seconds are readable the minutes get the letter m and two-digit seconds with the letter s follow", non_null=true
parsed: 2h40
